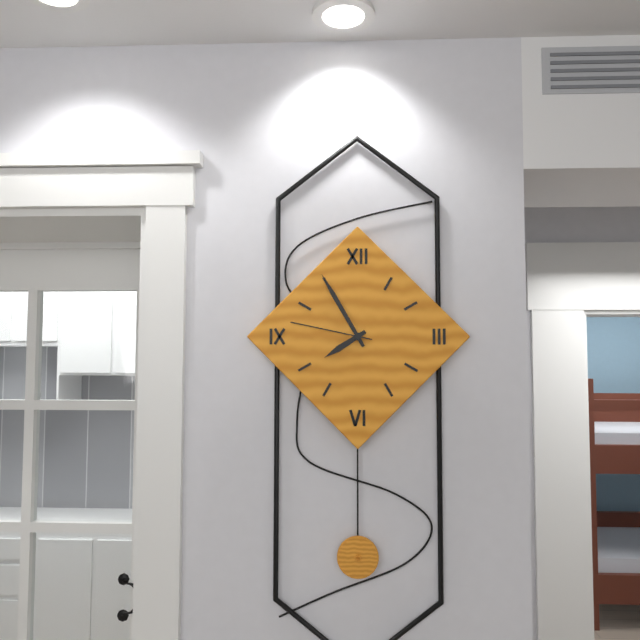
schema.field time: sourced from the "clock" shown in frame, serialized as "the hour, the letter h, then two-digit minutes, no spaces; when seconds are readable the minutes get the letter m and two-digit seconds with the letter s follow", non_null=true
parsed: 7h55m47s
